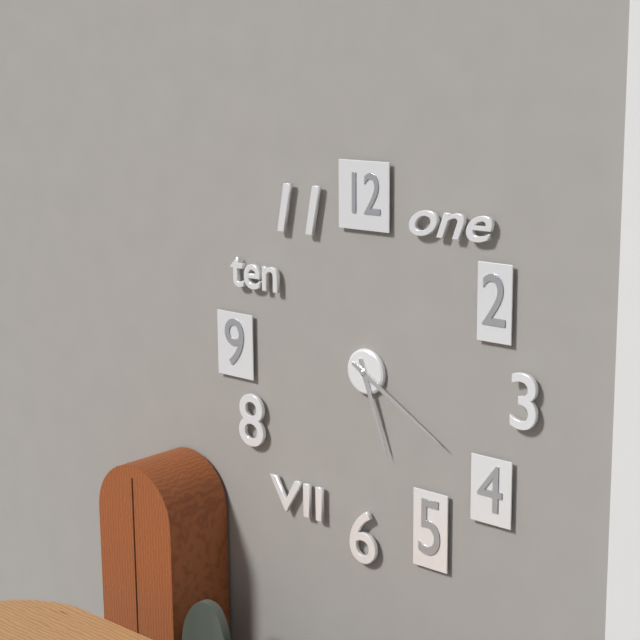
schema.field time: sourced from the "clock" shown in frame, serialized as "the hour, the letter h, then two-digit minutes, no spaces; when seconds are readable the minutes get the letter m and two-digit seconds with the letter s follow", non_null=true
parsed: 5h20
